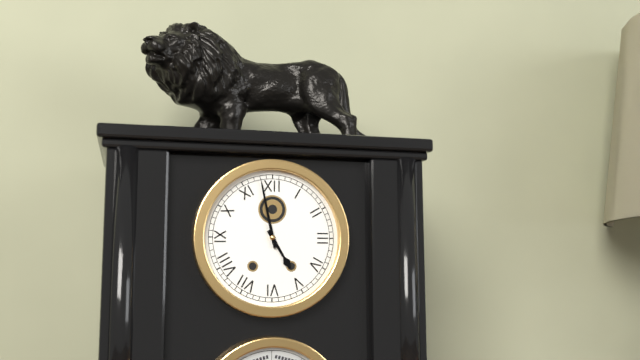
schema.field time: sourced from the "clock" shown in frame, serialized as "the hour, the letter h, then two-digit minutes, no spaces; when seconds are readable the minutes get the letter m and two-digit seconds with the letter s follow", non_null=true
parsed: 4h58
